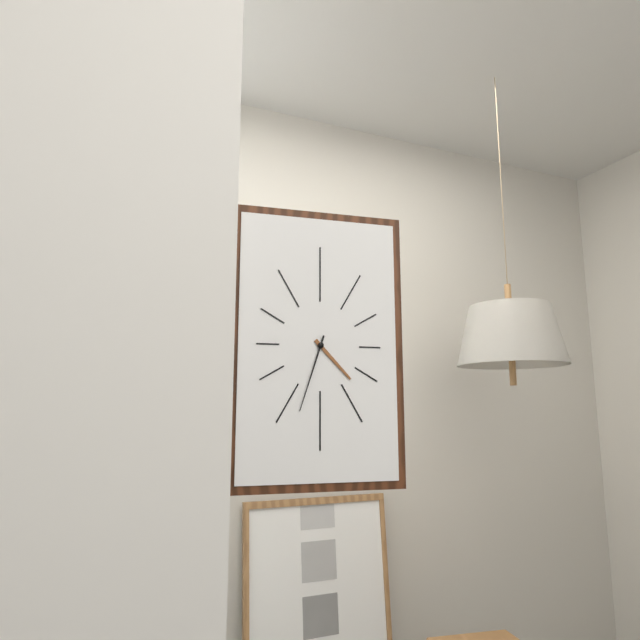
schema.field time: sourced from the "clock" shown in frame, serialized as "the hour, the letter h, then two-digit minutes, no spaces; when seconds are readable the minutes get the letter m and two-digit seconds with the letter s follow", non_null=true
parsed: 4h33
